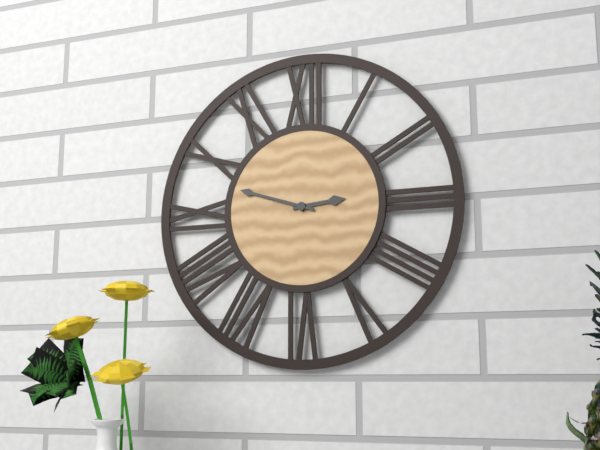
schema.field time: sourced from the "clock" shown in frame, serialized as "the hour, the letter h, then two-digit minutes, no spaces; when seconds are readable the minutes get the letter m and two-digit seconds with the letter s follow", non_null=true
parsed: 2h48
